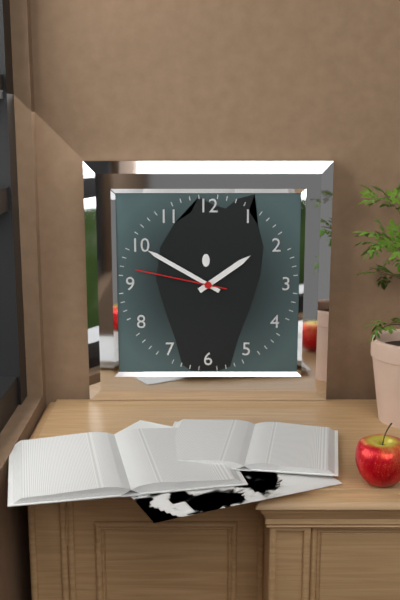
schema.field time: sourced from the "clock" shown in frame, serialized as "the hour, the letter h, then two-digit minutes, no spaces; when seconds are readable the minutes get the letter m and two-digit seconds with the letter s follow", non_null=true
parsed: 1h50m47s
